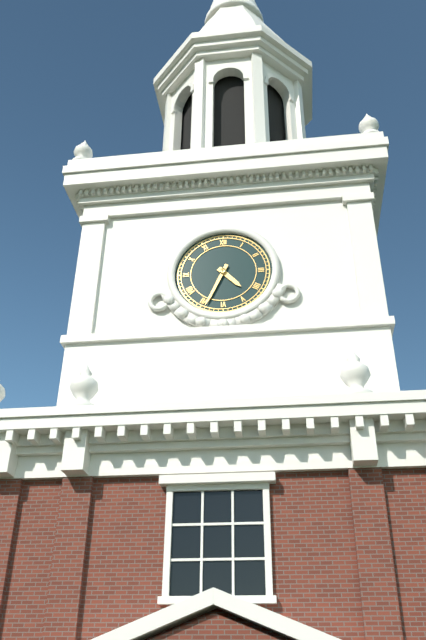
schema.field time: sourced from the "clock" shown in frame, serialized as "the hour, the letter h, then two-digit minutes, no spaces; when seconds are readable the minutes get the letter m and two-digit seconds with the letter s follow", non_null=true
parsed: 4h34
